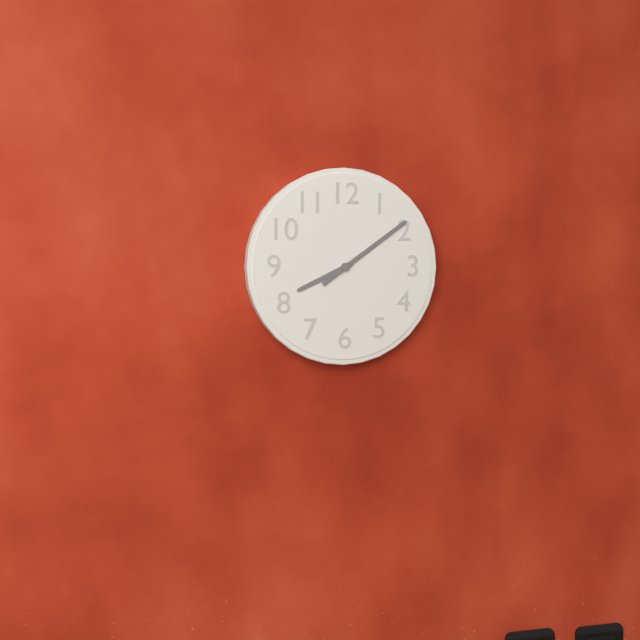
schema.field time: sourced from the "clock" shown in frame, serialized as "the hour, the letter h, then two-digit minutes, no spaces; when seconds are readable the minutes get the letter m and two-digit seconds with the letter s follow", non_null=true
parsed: 8h09
